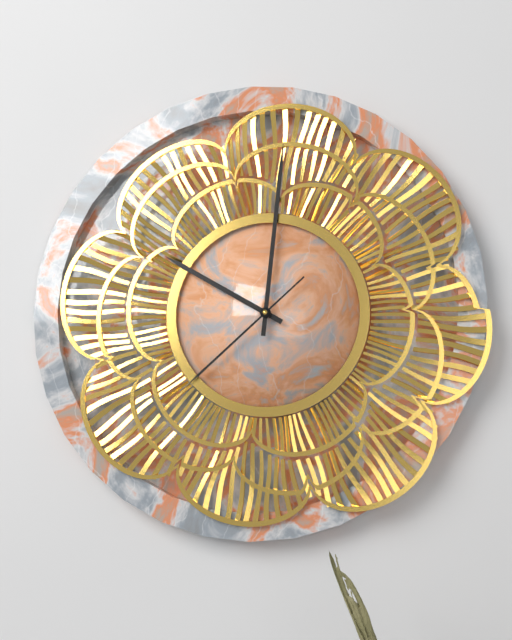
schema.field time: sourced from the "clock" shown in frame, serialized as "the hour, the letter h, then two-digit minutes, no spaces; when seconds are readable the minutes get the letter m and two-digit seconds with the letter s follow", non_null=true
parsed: 10h01m38s
